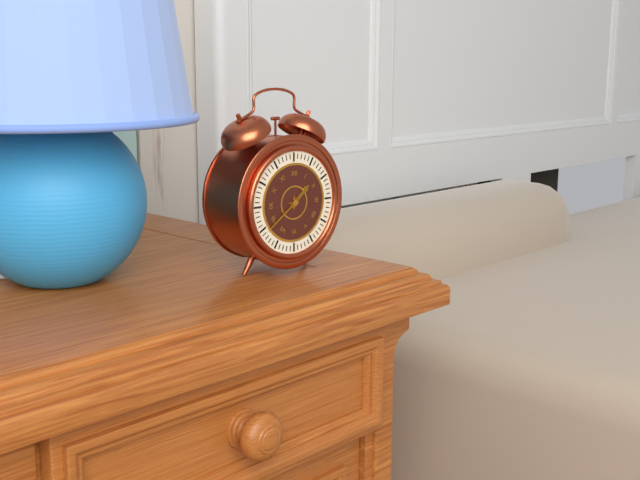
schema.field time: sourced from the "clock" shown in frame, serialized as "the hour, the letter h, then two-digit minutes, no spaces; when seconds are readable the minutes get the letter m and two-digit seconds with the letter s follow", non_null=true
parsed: 1h39
